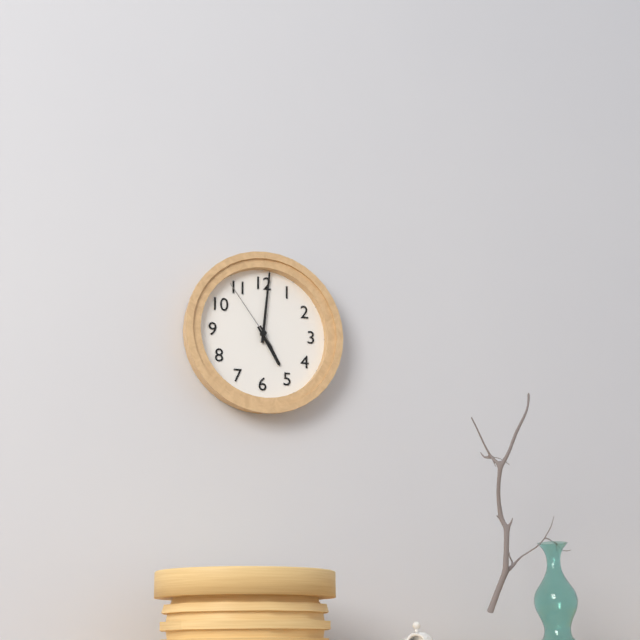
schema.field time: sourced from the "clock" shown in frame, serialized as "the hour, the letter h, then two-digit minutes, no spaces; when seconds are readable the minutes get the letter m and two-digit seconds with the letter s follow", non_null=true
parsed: 5h01m54s
